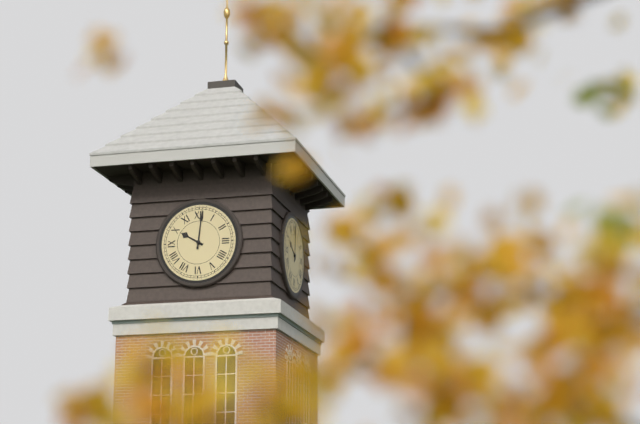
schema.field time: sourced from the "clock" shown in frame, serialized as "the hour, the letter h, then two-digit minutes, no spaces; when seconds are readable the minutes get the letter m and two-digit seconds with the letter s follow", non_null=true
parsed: 10h01
